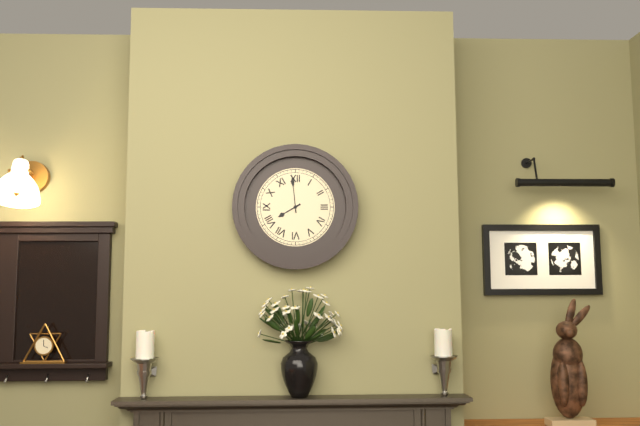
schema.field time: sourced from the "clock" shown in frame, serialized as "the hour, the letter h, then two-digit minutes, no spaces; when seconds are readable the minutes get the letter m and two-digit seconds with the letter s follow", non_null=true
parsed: 7h59
